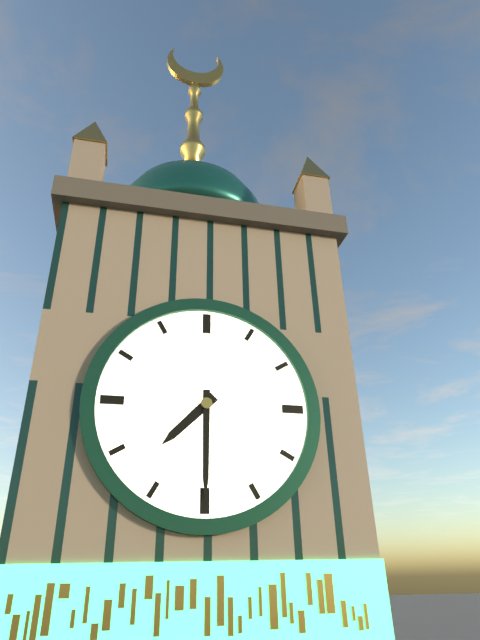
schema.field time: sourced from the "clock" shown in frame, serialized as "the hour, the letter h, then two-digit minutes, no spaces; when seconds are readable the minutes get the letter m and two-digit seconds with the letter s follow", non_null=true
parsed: 7h30
